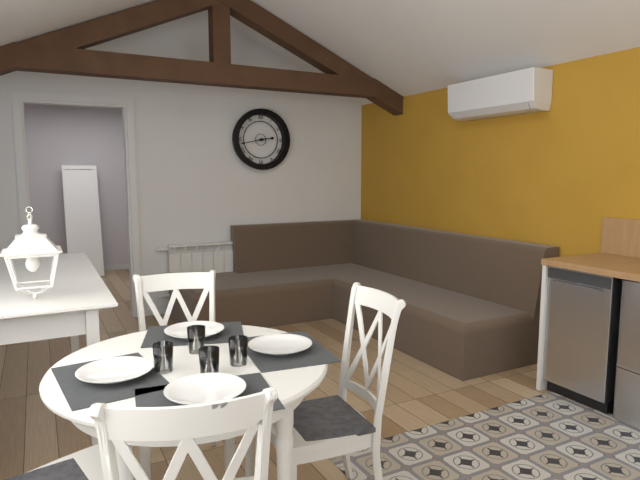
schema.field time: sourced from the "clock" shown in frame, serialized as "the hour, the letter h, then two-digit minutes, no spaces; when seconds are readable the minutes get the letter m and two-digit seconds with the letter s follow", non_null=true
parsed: 2h43
